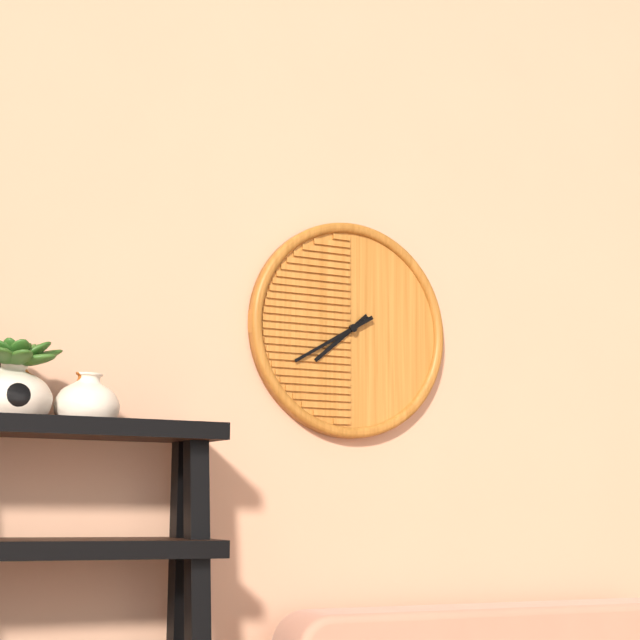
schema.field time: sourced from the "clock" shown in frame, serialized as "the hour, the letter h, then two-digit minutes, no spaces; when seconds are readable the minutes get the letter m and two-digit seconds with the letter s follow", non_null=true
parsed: 7h40
